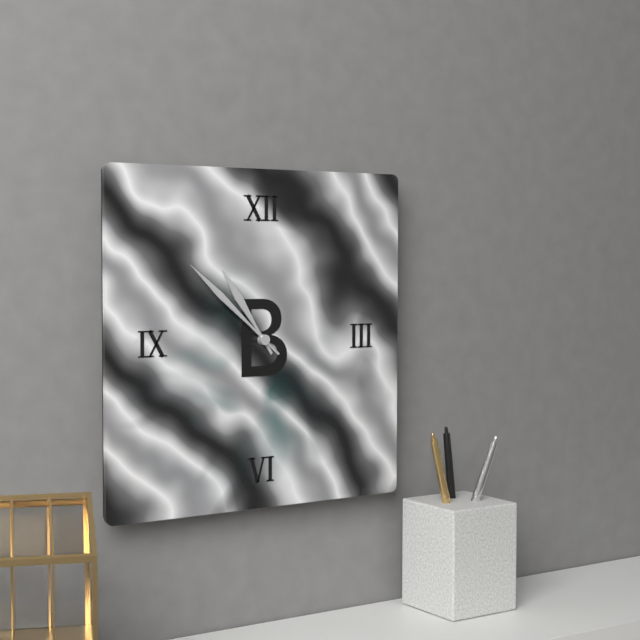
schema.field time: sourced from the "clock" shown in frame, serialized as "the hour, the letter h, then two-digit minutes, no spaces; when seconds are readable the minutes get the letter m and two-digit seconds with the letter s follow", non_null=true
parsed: 10h52
